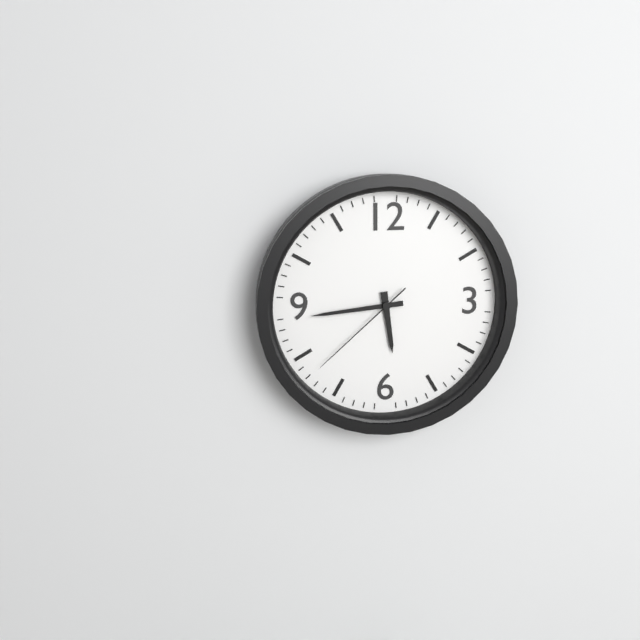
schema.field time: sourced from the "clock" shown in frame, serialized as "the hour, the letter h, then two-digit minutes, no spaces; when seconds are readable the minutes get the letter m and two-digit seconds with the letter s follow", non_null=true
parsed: 5h44m38s
